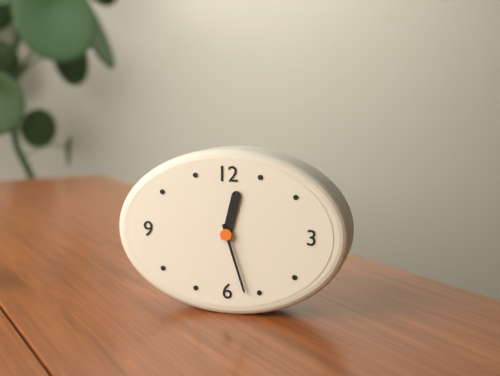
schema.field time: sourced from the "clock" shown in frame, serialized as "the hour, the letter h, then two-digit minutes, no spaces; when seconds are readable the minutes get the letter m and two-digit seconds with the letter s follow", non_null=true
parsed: 12h27
